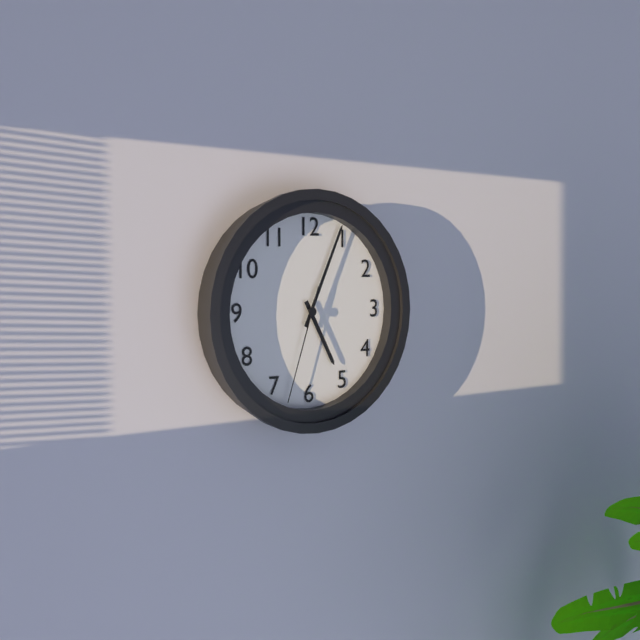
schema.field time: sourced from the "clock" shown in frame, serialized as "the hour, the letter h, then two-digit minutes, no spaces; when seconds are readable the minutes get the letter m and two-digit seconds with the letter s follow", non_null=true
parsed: 5h04m33s
